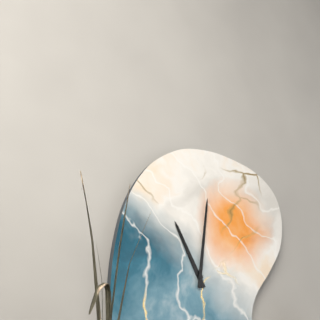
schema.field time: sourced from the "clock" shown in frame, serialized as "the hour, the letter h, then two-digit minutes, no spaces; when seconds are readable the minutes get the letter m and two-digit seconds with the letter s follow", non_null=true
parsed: 11h01
